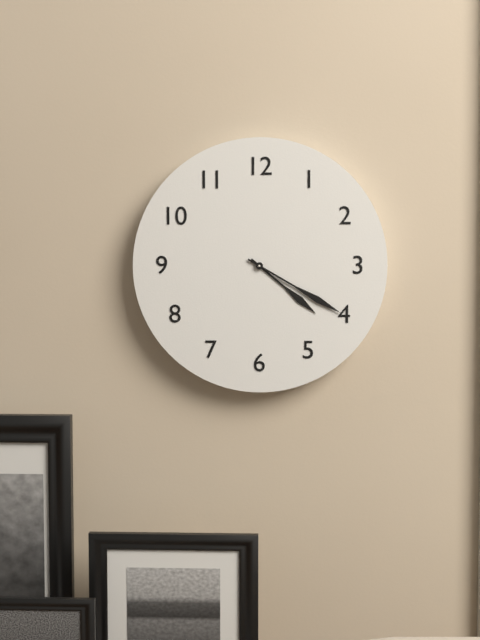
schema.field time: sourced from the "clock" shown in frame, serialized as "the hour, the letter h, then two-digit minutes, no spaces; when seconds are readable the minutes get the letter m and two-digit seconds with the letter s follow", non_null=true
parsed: 4h20
